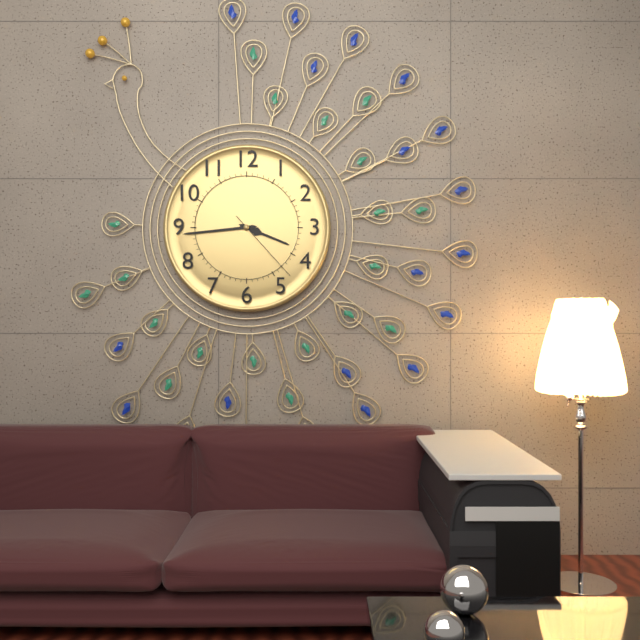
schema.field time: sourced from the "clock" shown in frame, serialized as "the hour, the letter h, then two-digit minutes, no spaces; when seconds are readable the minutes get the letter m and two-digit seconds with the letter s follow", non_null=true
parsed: 3h44m23s
